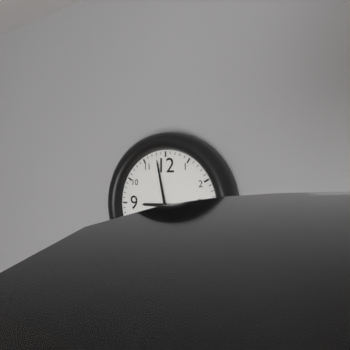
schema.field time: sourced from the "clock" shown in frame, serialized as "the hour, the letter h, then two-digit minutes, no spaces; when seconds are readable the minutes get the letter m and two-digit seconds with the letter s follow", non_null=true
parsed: 8h58
